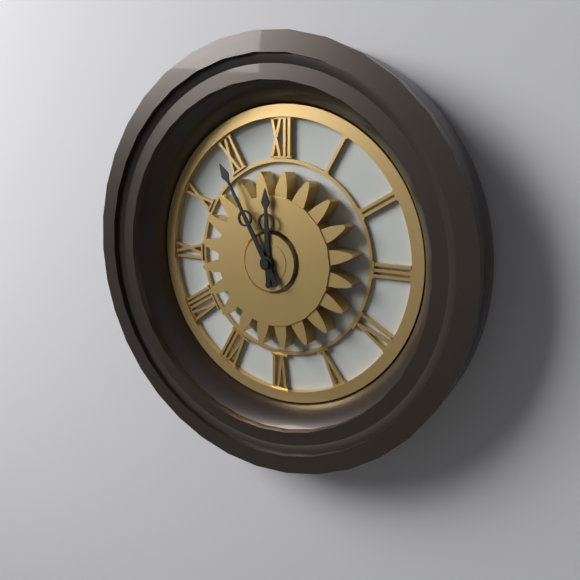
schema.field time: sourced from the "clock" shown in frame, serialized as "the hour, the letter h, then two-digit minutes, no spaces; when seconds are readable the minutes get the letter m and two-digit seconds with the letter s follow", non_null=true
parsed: 11h55
